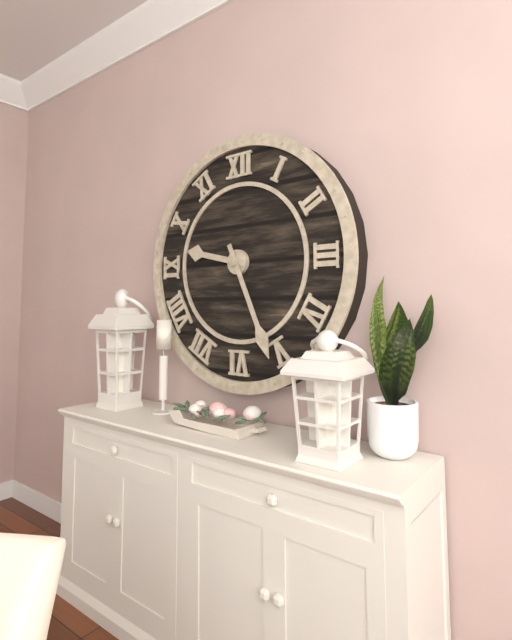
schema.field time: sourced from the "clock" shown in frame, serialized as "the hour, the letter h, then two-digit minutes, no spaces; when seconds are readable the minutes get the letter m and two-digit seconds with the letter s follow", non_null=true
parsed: 9h26
